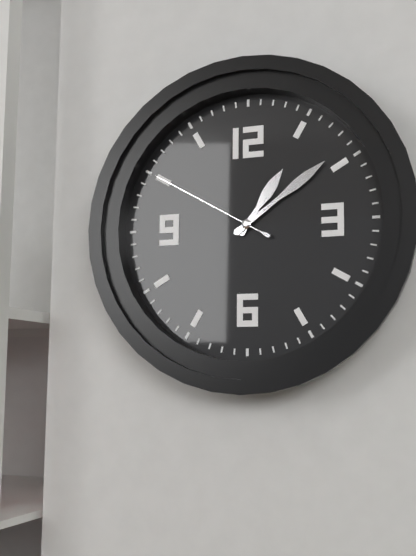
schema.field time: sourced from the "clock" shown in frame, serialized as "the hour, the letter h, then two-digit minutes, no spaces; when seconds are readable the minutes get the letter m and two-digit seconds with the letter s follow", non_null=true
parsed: 1h09m50s
